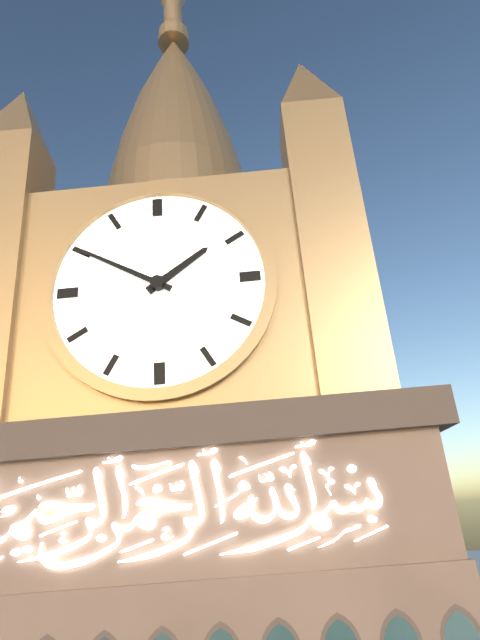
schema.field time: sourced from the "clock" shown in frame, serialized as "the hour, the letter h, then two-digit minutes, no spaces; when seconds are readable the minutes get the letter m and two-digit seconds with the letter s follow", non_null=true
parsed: 1h50
